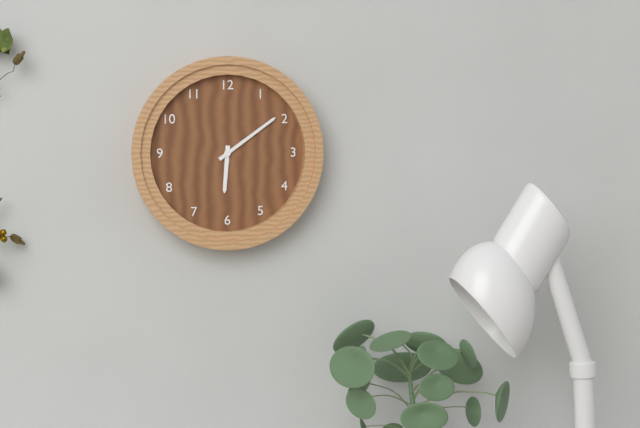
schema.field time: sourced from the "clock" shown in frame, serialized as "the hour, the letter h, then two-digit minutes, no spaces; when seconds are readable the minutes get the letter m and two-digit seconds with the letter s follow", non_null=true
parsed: 6h09
